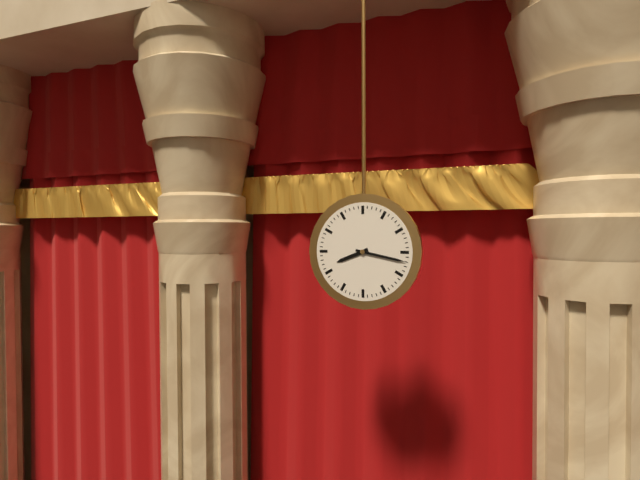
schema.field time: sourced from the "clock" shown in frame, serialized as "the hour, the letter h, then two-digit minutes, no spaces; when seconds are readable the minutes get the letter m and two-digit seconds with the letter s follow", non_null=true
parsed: 8h17
